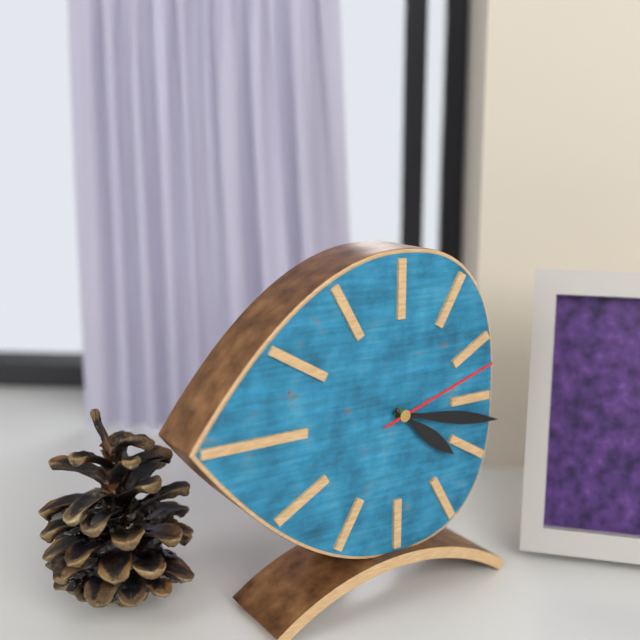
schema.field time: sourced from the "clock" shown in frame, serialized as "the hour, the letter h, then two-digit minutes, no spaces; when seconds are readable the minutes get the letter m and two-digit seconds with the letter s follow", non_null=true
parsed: 4h17m12s
